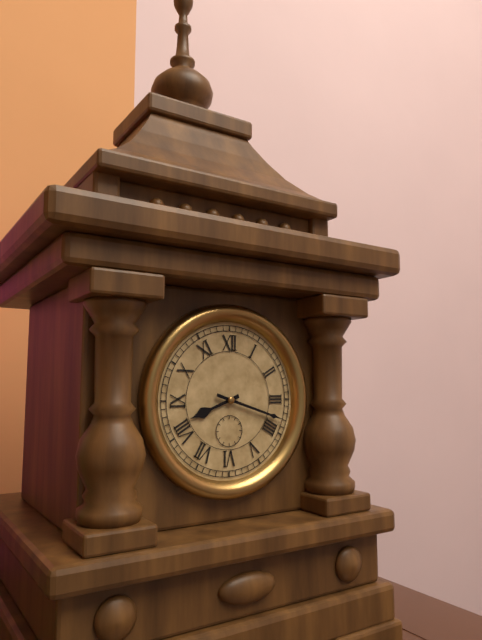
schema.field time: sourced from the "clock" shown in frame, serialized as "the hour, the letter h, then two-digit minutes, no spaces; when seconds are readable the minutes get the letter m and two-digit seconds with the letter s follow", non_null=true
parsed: 8h18
